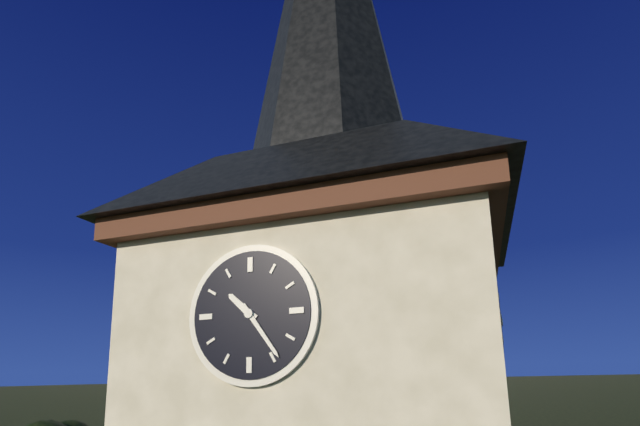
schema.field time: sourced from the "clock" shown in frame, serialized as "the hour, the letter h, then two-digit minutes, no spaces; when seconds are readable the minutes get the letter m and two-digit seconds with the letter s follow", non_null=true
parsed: 10h24
